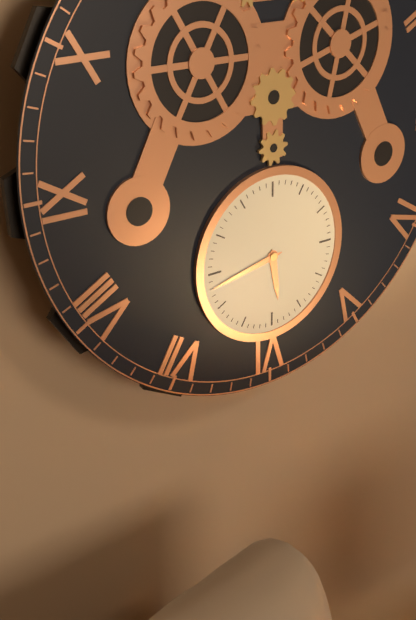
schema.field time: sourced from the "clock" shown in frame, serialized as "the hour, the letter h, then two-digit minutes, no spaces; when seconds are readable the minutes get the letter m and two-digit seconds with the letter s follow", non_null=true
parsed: 5h43
